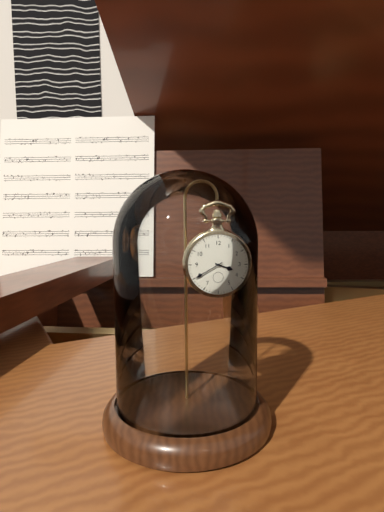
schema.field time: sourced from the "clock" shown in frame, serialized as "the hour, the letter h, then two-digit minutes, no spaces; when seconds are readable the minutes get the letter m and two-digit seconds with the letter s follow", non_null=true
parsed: 3h40
